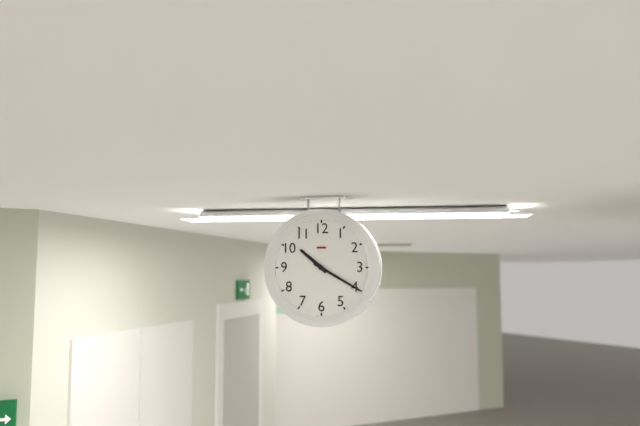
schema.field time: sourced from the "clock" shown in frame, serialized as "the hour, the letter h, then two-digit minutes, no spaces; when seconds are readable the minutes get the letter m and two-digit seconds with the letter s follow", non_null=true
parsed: 10h20
